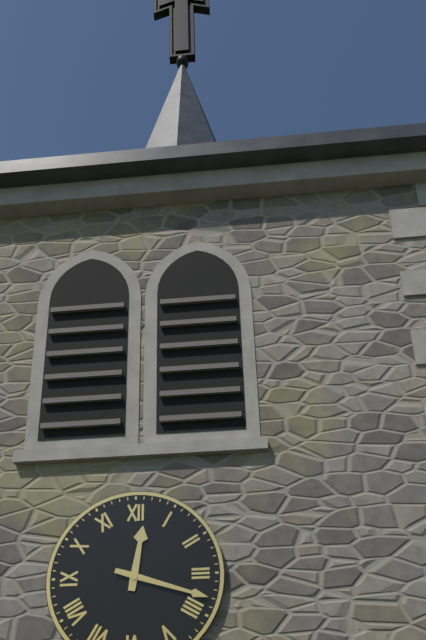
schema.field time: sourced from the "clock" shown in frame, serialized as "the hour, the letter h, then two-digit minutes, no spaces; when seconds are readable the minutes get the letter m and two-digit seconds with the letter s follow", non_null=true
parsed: 12h18
